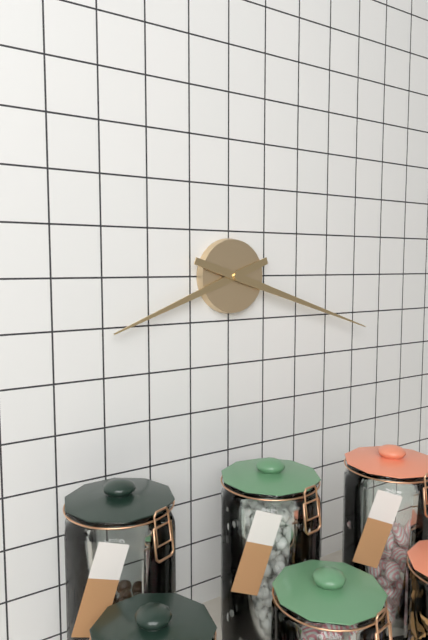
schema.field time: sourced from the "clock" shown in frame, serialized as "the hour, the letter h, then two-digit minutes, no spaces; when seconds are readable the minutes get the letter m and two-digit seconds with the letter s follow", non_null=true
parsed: 8h18
